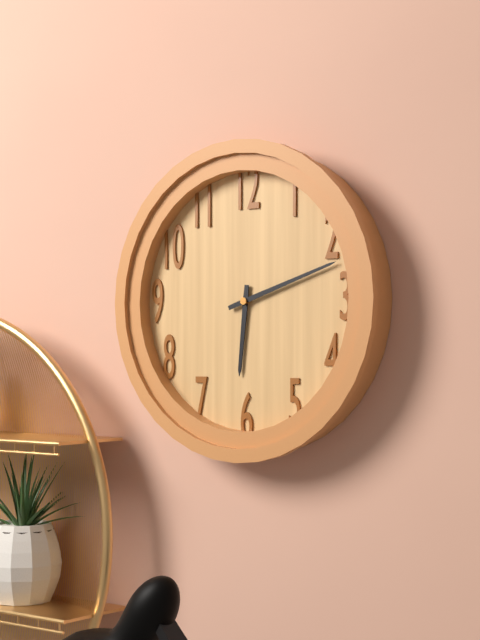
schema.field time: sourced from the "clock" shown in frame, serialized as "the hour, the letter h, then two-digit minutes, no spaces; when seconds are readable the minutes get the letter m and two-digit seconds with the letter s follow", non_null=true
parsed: 6h12
